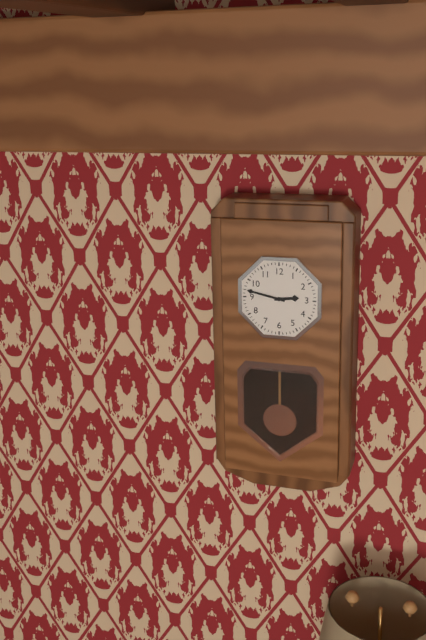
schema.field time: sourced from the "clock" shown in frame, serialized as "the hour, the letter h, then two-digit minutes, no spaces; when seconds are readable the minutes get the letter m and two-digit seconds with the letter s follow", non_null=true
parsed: 2h47
